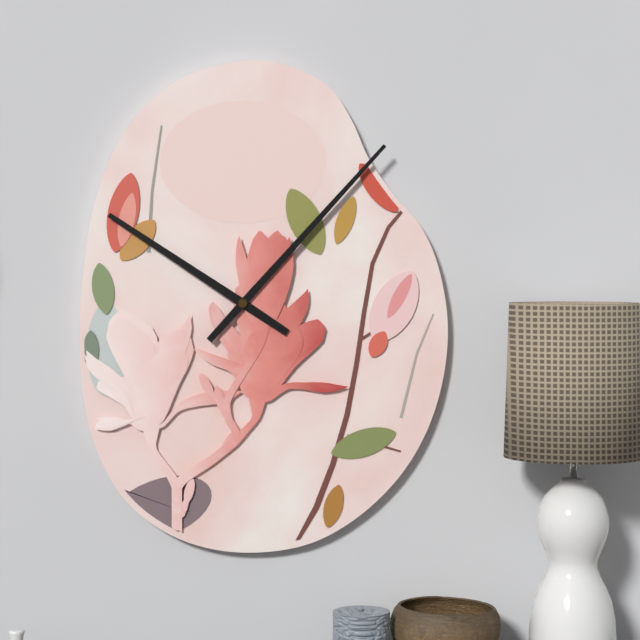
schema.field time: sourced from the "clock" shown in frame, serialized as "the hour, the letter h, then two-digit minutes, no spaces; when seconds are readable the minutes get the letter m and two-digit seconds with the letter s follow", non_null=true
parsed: 10h07
